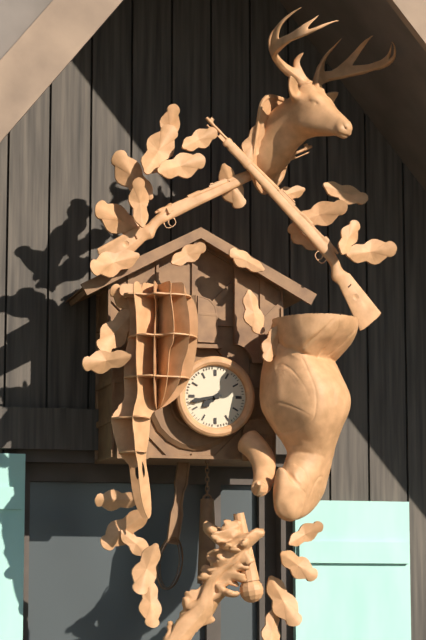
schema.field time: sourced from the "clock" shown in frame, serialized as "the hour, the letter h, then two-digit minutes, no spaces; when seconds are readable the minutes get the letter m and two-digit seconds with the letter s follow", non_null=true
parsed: 7h43
